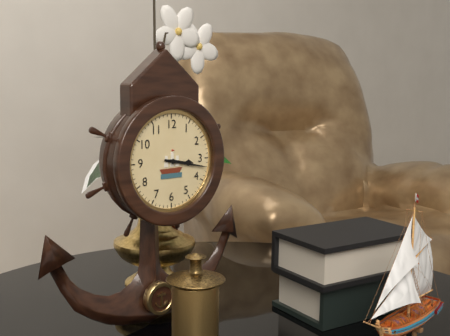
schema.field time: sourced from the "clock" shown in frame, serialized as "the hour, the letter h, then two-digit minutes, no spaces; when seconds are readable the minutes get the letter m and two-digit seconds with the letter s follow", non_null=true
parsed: 3h17
